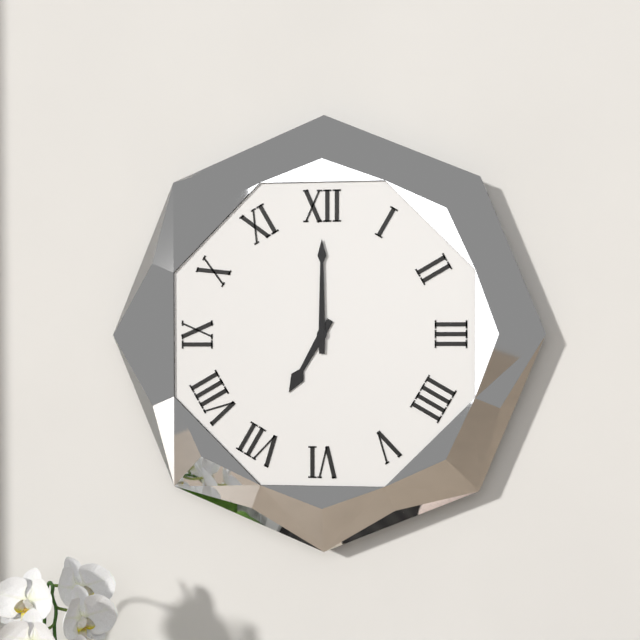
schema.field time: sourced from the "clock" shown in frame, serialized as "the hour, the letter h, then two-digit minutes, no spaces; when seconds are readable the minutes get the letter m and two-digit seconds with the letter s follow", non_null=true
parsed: 7h00
